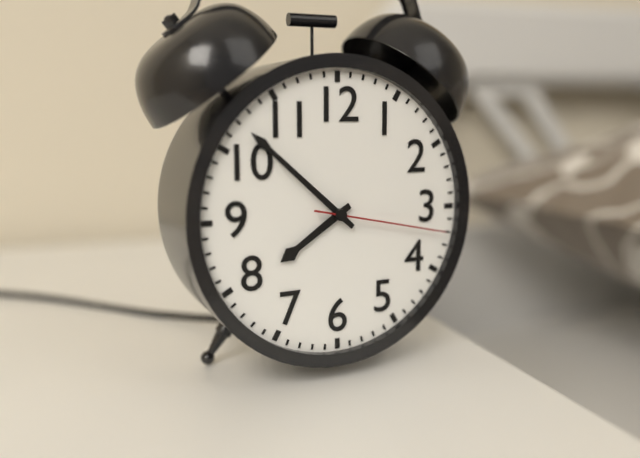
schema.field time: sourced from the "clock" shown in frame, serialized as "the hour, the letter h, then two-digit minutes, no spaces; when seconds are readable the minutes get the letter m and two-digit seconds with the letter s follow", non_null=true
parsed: 7h52m17s
